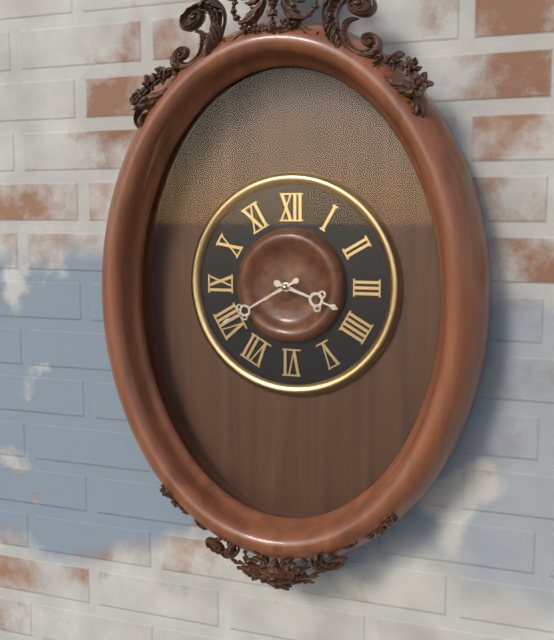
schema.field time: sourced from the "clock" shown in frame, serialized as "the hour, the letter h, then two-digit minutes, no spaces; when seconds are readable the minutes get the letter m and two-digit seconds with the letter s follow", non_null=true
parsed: 3h40
